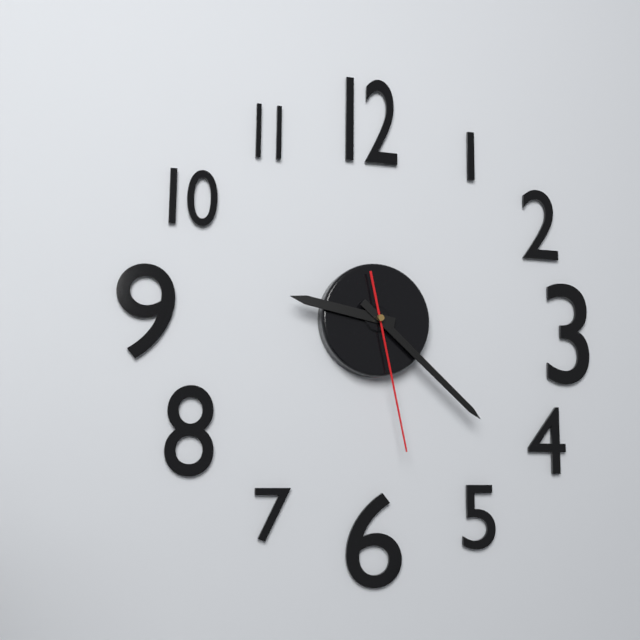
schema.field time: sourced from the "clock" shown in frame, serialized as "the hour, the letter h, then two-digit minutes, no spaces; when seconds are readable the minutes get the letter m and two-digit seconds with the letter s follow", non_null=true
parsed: 9h22m28s
